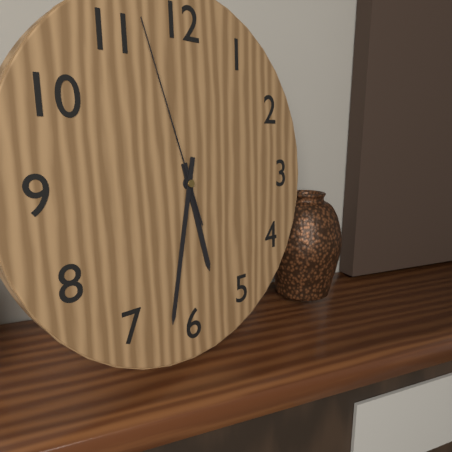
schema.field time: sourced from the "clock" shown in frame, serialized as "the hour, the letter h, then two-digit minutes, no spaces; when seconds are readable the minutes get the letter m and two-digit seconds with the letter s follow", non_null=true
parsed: 5h32m57s
